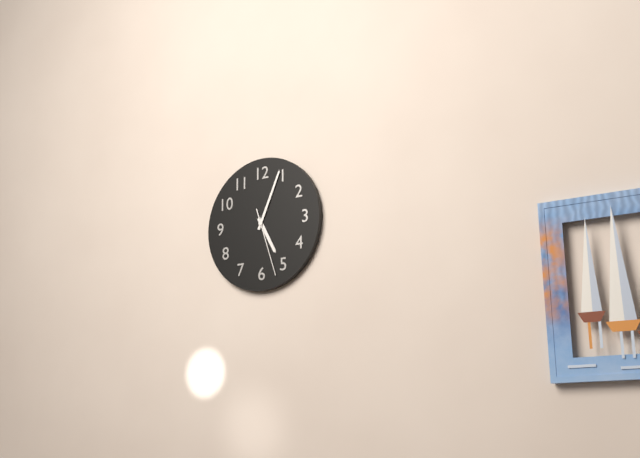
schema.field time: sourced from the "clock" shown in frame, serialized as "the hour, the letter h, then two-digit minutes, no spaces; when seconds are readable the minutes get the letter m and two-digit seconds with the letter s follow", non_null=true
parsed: 5h04m27s
